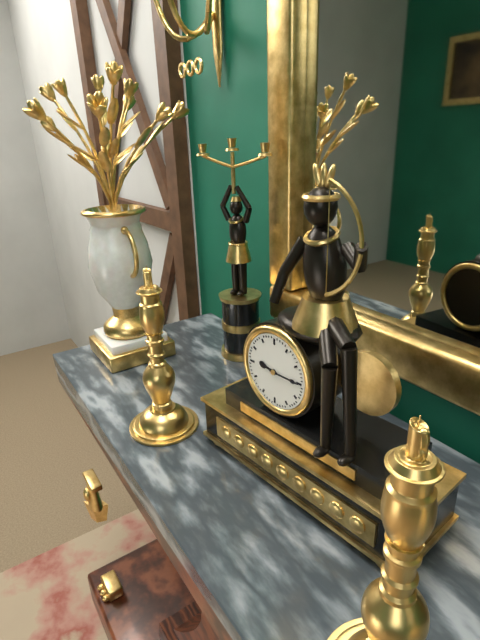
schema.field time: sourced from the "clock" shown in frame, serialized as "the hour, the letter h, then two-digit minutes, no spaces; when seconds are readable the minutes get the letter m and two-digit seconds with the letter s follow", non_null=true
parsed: 9h15
